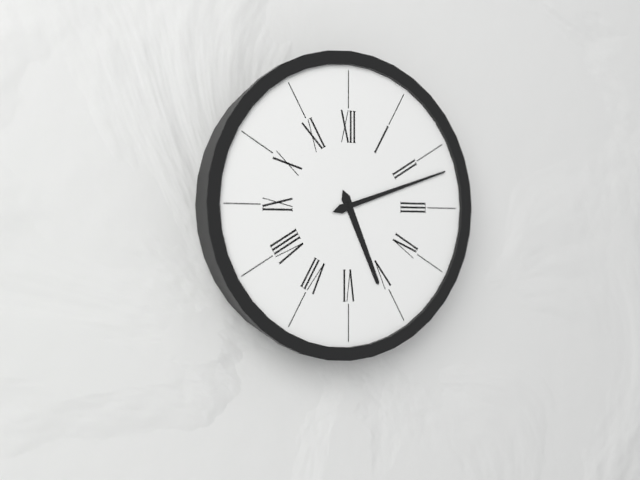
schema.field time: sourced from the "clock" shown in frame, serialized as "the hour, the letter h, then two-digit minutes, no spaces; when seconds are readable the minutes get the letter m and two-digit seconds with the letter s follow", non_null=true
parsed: 5h12
